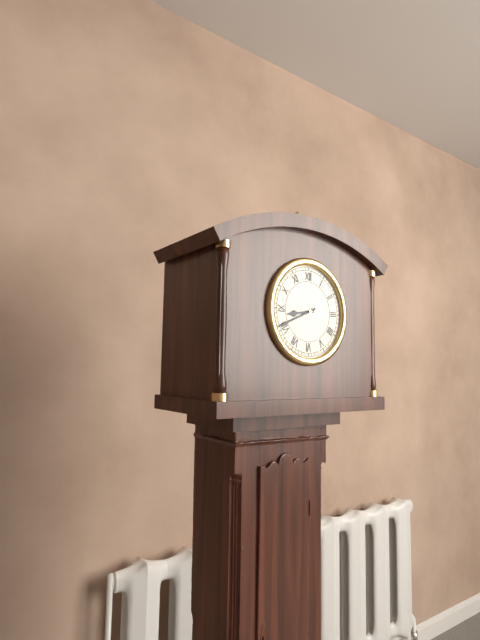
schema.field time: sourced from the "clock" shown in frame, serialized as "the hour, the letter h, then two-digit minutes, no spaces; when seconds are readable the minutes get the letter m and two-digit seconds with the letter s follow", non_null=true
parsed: 8h41
